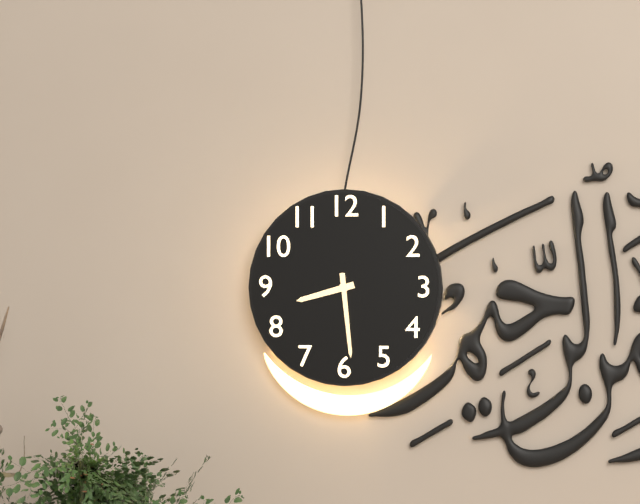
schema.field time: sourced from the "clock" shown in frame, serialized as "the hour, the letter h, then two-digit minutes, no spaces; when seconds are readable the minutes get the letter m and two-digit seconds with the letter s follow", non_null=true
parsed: 8h29
